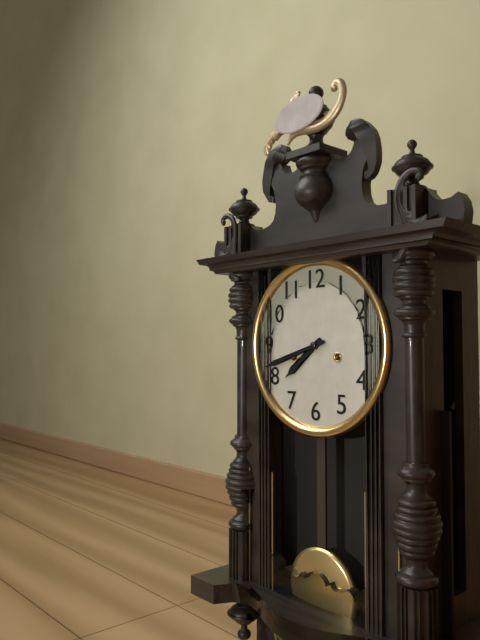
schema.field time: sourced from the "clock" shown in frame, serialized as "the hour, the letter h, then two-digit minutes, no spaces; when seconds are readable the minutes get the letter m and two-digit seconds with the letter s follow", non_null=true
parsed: 7h42
